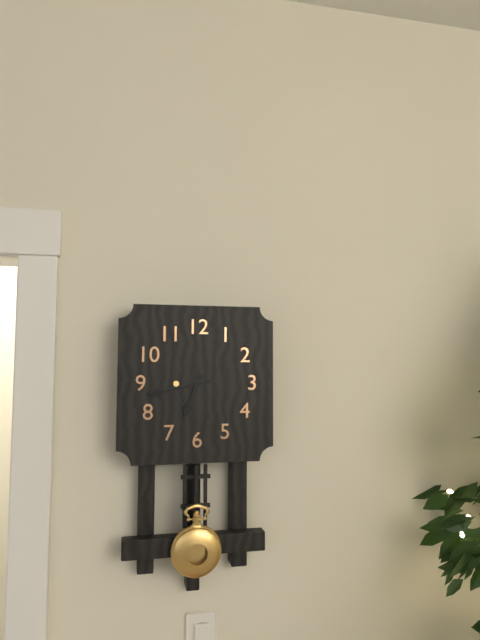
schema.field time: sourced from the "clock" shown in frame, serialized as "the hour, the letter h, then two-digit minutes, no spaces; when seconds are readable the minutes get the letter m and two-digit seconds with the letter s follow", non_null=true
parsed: 6h43
